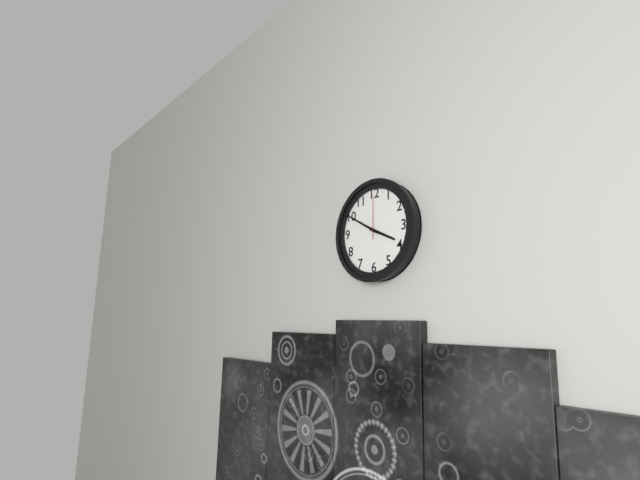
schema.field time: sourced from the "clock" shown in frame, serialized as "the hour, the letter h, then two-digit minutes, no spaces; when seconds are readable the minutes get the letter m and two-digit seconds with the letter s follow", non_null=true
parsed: 3h50
